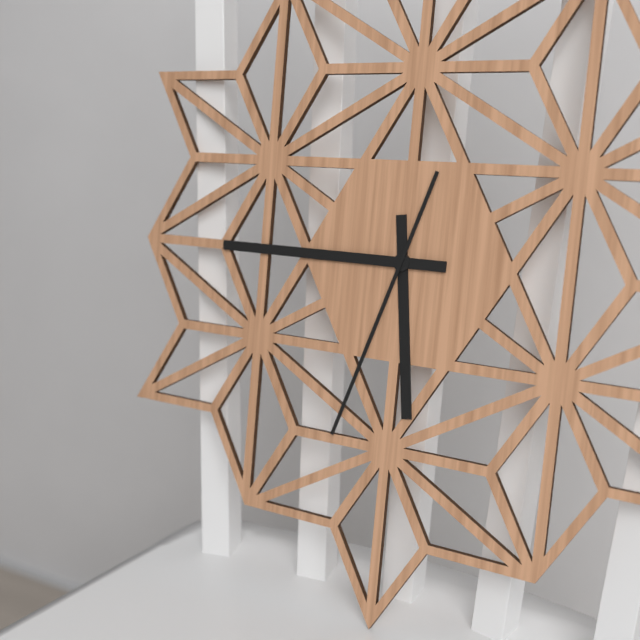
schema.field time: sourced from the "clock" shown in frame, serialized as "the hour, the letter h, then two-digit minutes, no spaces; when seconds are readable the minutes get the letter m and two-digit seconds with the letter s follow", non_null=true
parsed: 5h45m33s
